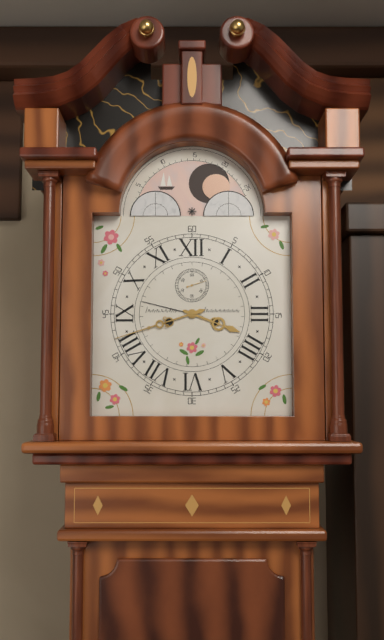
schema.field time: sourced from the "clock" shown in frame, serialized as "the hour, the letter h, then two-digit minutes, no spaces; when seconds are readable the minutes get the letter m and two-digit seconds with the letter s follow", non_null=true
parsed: 3h42
